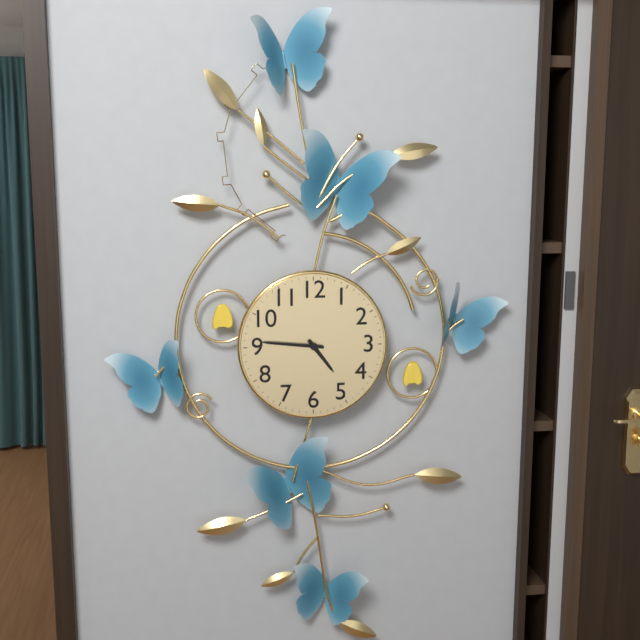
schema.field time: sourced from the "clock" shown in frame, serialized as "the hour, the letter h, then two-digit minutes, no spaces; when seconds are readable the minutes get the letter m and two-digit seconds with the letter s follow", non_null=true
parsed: 4h46
